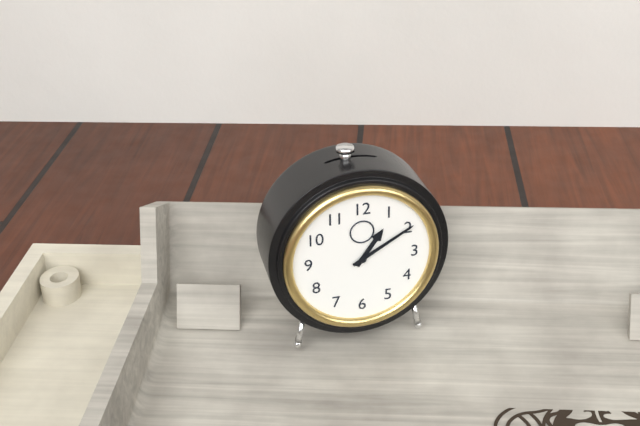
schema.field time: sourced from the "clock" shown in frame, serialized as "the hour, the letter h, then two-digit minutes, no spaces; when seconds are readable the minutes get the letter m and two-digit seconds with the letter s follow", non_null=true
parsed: 1h10
